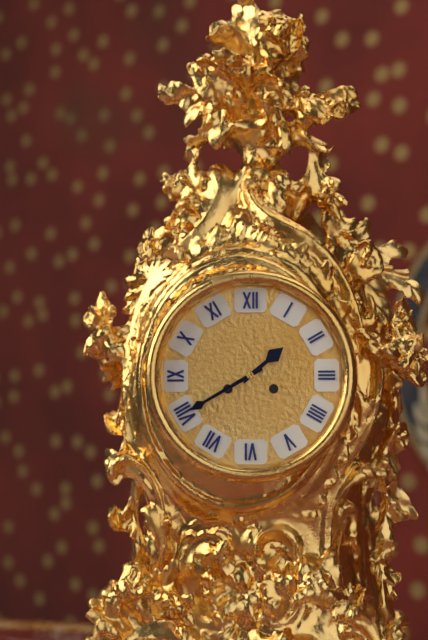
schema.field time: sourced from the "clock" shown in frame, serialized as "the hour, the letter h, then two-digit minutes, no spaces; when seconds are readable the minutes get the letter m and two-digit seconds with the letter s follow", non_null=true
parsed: 1h40
